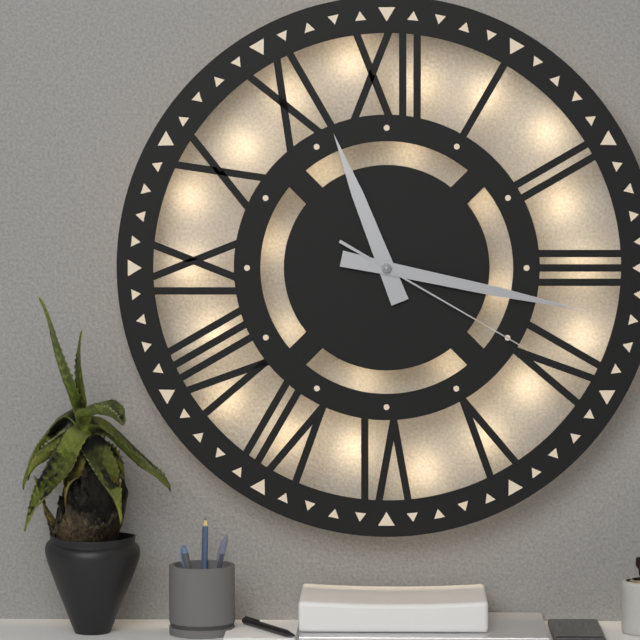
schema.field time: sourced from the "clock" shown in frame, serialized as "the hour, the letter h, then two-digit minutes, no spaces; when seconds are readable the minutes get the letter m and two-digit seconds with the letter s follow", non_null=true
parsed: 11h17m20s
